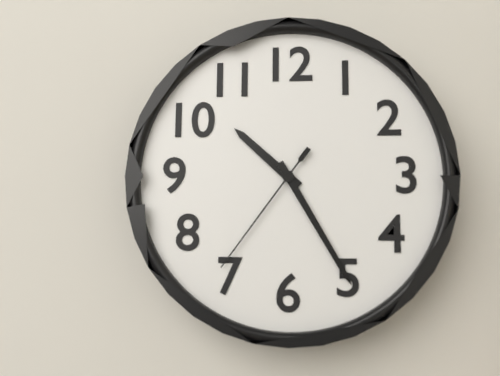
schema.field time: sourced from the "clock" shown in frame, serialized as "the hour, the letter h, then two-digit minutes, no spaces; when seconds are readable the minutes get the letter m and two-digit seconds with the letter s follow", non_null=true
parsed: 10h25m36s
